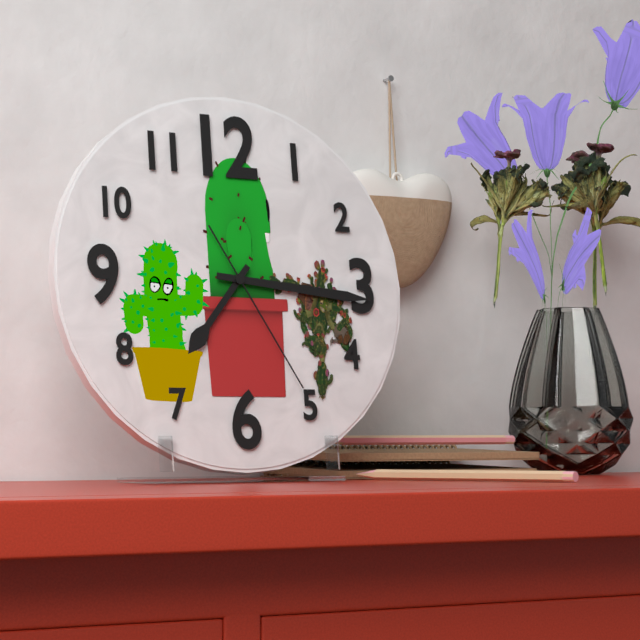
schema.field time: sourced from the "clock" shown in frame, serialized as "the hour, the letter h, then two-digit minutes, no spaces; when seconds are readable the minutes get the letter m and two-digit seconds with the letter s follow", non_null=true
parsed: 7h16m25s
